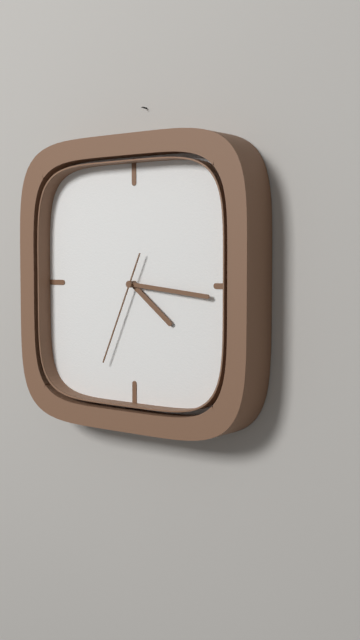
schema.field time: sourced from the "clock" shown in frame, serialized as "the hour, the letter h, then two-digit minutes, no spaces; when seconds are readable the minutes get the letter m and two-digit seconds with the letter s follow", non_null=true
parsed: 4h16m34s
